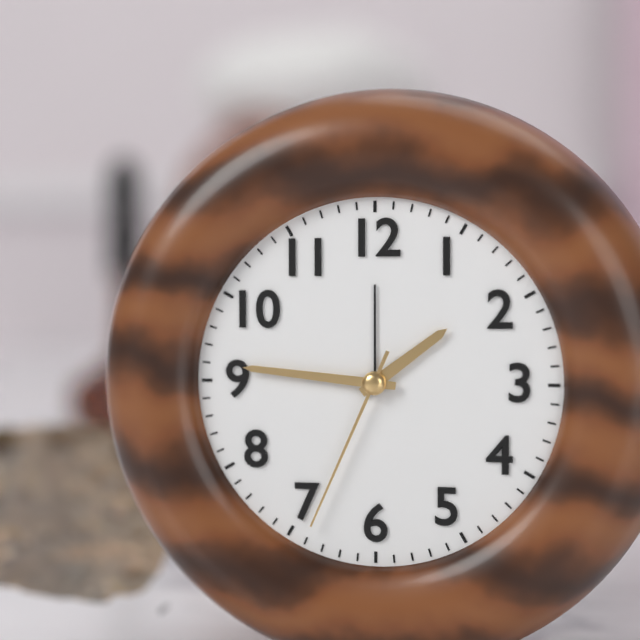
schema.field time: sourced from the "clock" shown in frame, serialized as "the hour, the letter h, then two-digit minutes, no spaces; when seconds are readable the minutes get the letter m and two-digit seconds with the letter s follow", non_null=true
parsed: 1h46m34s
